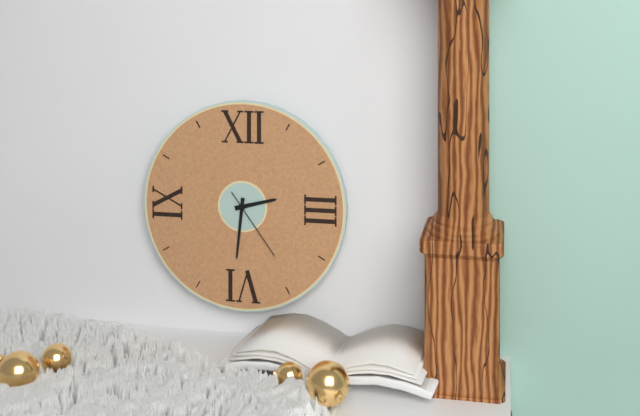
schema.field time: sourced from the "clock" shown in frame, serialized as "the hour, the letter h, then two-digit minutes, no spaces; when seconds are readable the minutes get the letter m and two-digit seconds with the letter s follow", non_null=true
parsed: 2h31m24s
